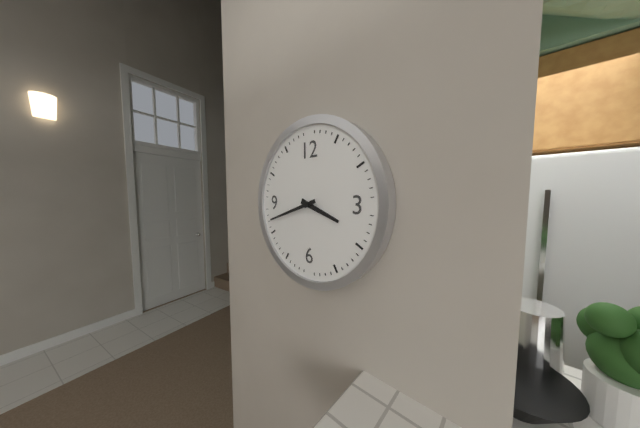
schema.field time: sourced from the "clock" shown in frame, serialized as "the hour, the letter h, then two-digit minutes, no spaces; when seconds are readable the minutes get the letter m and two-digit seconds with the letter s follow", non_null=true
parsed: 3h42
